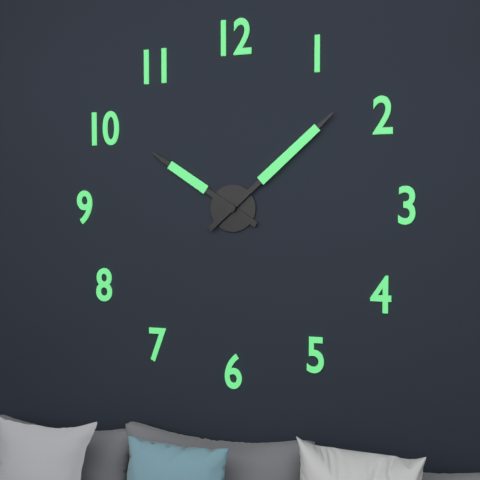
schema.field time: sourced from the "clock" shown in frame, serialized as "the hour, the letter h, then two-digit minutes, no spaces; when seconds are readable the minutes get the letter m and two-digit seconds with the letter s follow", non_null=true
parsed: 10h08
